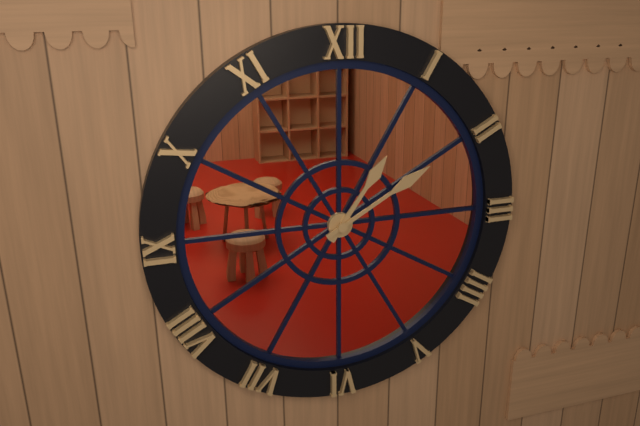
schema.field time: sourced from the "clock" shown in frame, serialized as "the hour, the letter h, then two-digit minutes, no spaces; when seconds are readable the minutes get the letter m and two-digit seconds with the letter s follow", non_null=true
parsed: 1h10
